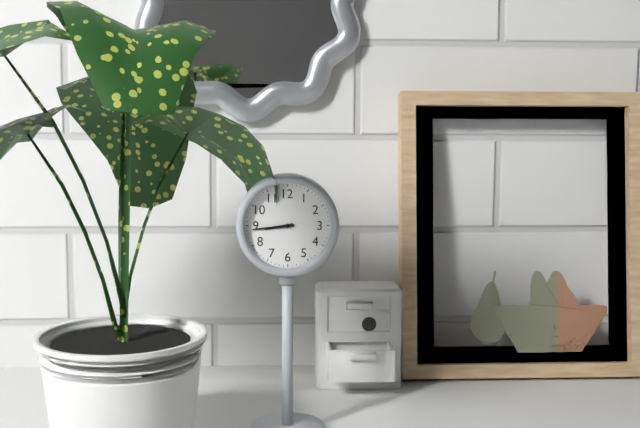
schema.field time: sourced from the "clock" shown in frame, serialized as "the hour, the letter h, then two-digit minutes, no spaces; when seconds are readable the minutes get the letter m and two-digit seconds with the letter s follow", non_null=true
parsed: 8h44
